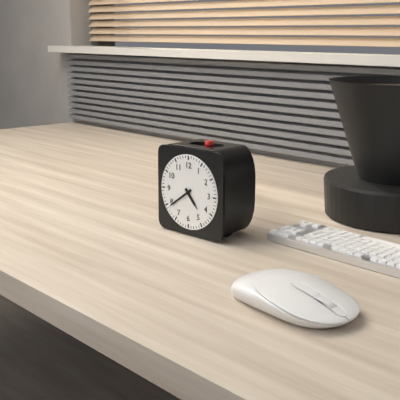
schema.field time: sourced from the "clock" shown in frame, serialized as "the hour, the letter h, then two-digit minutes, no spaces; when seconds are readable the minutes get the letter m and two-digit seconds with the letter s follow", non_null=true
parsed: 4h39
